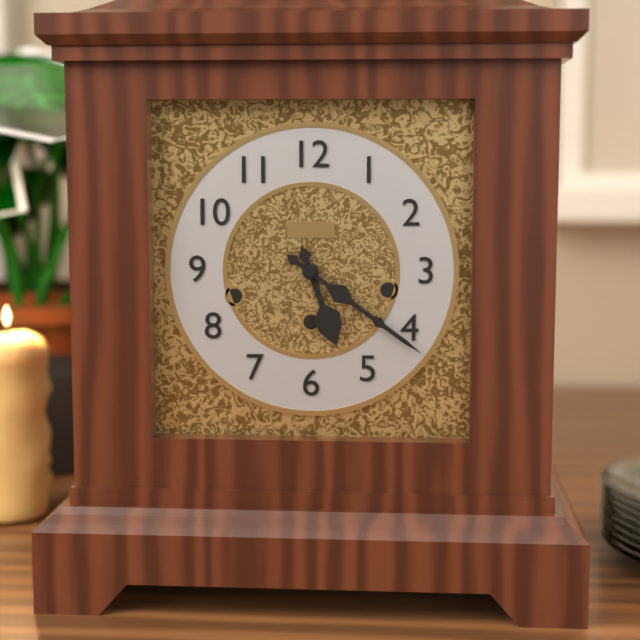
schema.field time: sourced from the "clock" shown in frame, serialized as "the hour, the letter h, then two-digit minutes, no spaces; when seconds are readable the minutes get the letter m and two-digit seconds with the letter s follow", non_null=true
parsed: 5h21
